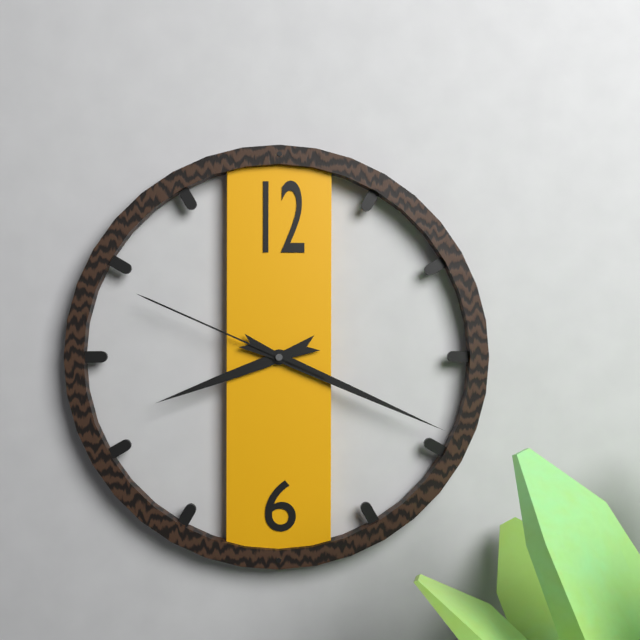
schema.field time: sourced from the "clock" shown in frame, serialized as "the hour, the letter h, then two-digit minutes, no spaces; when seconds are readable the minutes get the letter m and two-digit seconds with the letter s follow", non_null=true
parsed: 8h19m49s
